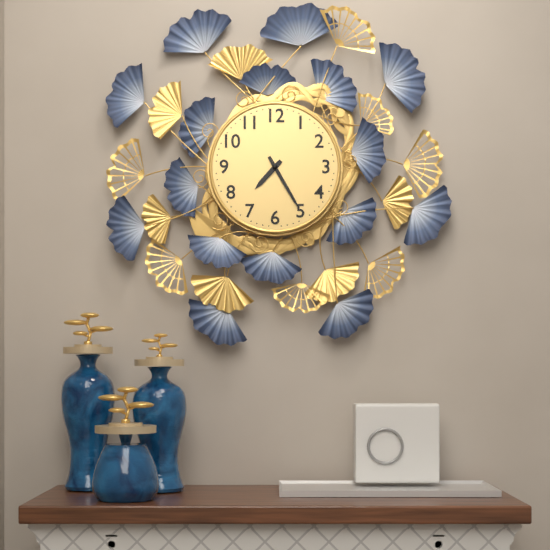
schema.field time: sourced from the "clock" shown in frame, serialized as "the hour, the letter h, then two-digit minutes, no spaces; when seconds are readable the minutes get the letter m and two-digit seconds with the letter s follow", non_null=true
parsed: 7h25
